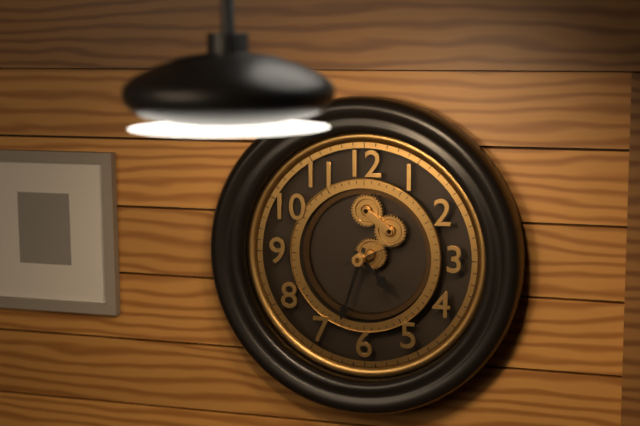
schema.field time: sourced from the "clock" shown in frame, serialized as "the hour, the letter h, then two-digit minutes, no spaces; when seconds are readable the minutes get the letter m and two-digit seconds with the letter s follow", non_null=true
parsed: 4h33m11s
